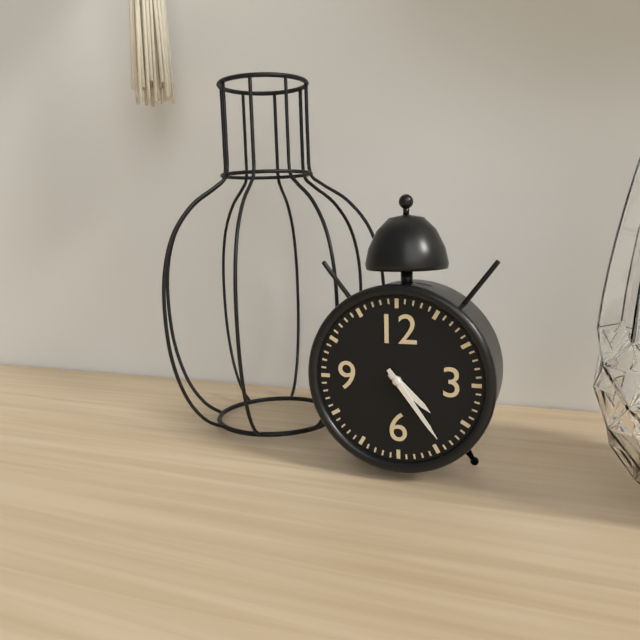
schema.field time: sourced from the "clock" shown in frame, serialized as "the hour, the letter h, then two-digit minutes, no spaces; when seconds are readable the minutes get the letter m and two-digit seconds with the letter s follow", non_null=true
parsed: 4h24
